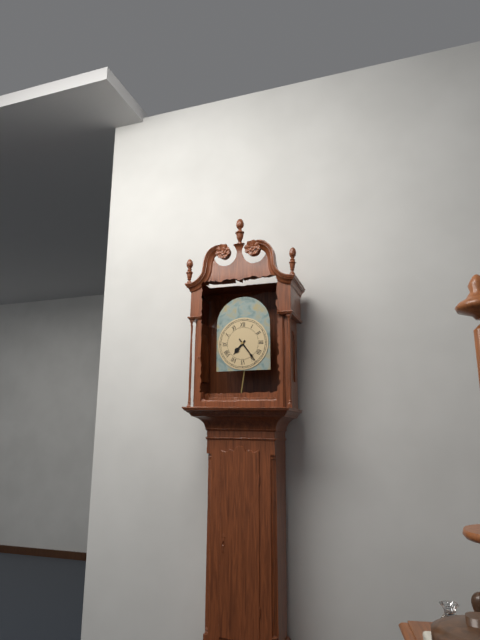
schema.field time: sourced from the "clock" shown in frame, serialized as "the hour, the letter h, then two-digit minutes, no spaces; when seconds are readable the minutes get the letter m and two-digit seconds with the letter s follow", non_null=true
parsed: 7h24
